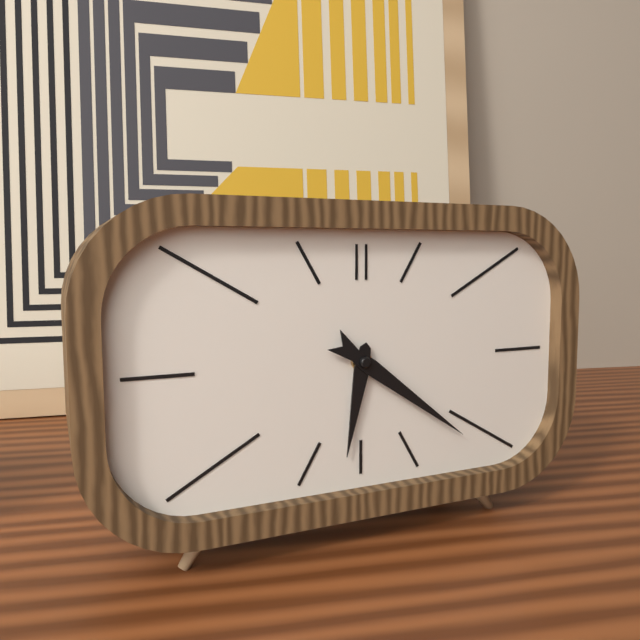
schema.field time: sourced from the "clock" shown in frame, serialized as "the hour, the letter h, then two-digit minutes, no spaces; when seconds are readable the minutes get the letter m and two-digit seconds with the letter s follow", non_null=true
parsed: 6h21
